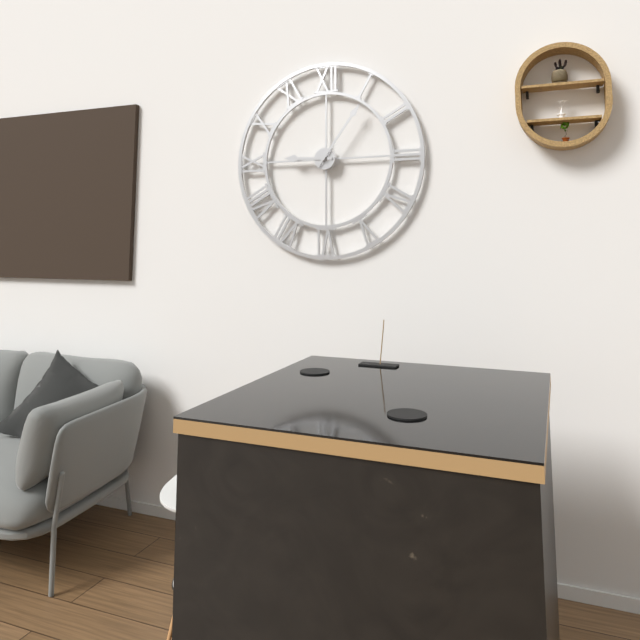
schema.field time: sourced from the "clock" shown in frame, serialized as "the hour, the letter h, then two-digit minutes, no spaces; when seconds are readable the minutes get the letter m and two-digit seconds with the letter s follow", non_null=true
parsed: 9h06
